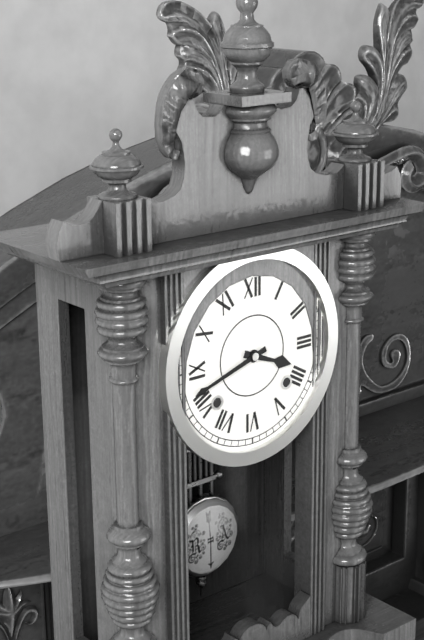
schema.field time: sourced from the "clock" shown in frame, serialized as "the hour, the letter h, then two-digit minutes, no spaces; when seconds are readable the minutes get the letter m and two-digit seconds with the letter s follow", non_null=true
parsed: 3h42
